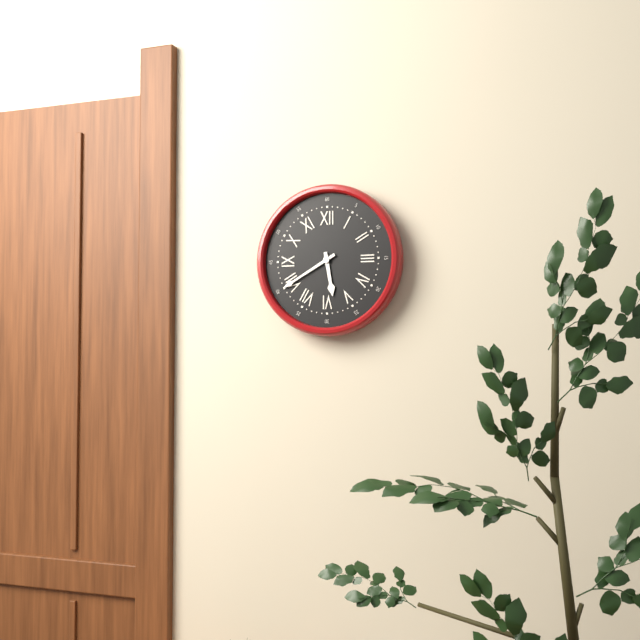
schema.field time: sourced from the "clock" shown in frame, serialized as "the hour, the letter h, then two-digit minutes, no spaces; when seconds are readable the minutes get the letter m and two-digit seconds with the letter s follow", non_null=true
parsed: 5h40
